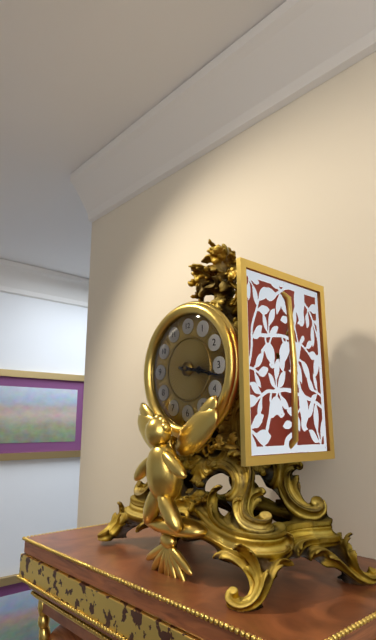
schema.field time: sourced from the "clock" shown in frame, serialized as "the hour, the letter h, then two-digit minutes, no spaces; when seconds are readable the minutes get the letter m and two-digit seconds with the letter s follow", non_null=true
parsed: 3h17
